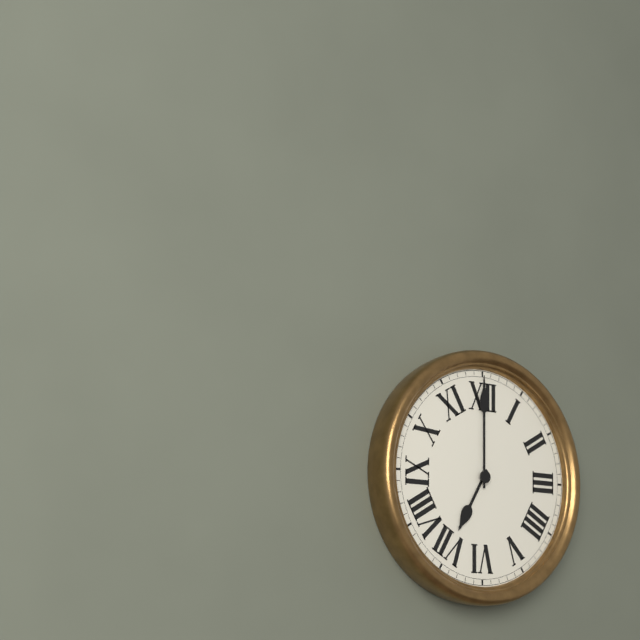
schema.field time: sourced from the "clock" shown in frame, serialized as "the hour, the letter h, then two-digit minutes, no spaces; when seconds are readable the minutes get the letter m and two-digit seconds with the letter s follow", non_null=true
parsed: 7h00
